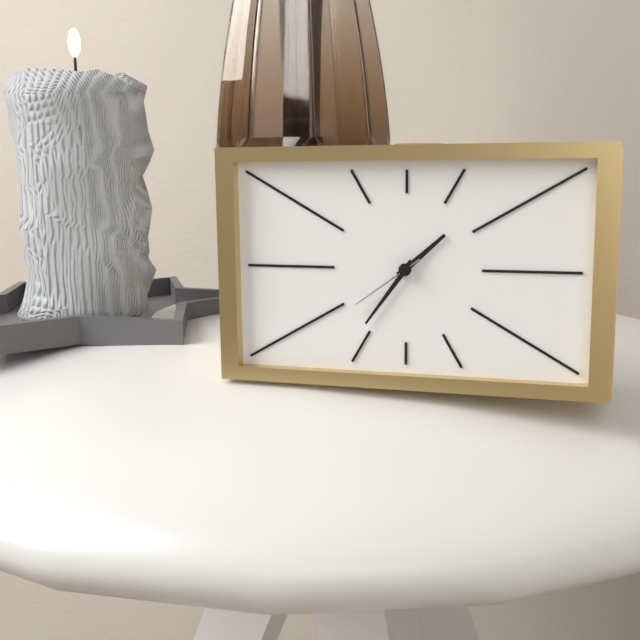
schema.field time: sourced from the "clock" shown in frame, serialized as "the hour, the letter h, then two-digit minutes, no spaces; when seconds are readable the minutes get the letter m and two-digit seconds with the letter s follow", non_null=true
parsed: 1h36m39s
